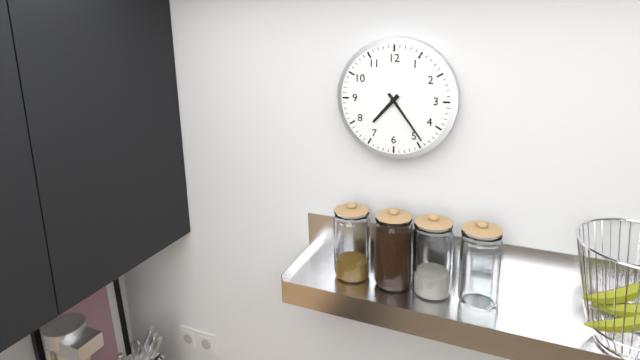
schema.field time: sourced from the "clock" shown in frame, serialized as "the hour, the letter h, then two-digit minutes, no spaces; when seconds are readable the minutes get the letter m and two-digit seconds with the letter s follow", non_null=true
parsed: 7h24
